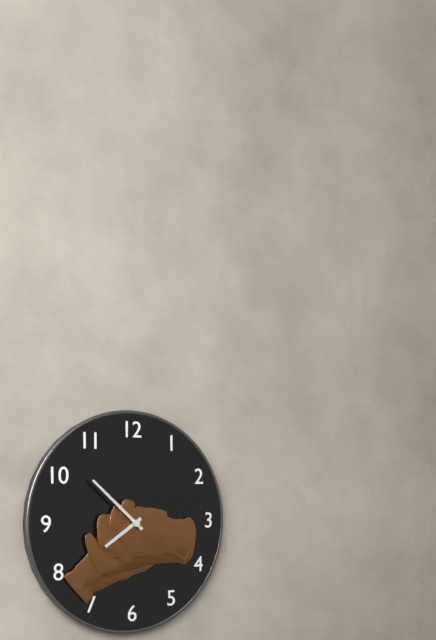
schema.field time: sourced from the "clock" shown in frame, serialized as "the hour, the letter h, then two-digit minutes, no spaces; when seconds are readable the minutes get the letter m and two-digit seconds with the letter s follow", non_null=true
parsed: 7h52
